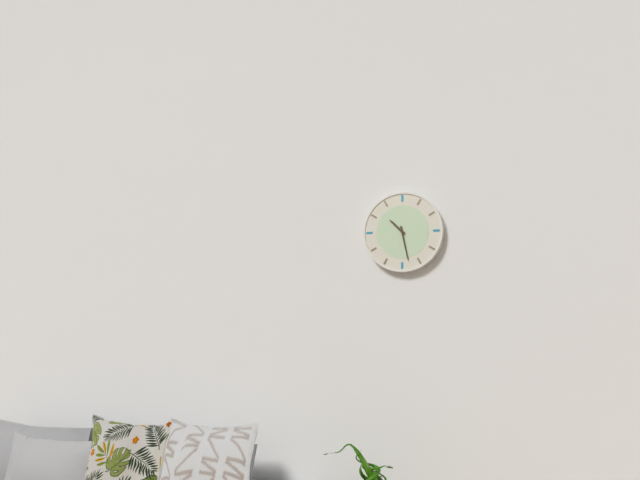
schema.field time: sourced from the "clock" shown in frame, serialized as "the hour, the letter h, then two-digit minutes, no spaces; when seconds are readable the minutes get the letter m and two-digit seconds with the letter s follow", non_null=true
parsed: 10h28
